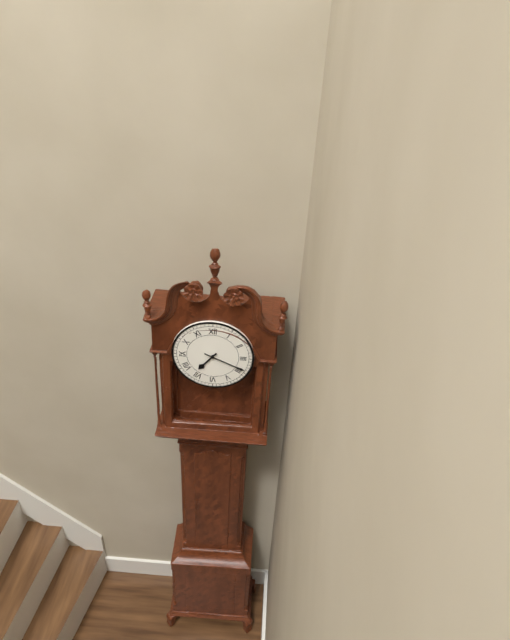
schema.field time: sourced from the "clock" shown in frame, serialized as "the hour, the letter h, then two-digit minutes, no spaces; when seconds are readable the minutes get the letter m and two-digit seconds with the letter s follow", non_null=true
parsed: 7h19
